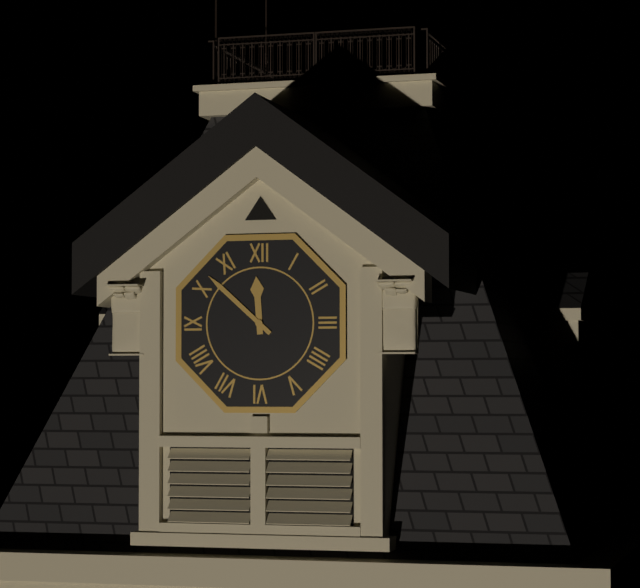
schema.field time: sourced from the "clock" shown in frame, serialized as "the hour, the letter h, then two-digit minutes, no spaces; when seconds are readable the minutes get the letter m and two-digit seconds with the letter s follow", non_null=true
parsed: 11h52
